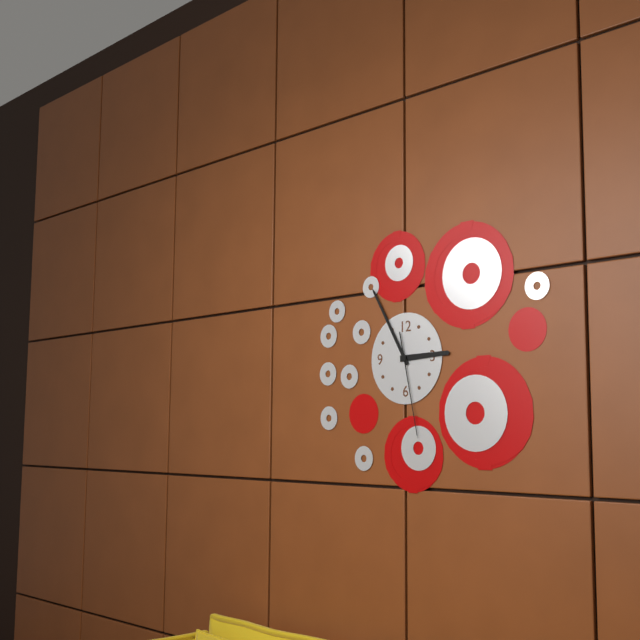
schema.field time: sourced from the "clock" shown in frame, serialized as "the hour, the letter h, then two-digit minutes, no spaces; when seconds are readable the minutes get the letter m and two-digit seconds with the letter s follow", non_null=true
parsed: 2h55m28s
